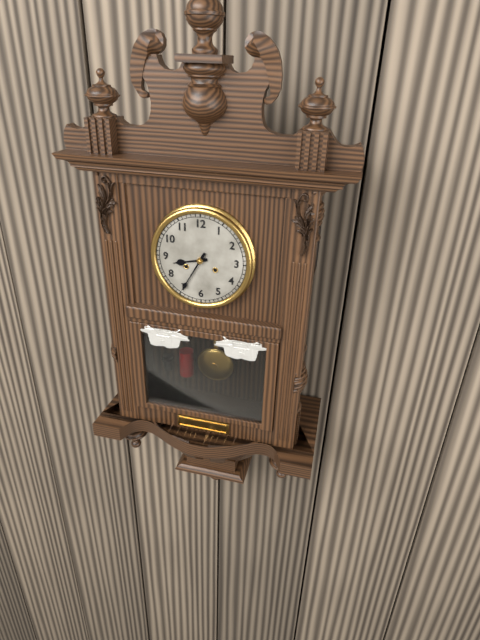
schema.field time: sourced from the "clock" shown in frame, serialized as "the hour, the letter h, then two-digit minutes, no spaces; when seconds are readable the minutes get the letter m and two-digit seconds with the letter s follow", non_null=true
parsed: 8h35
